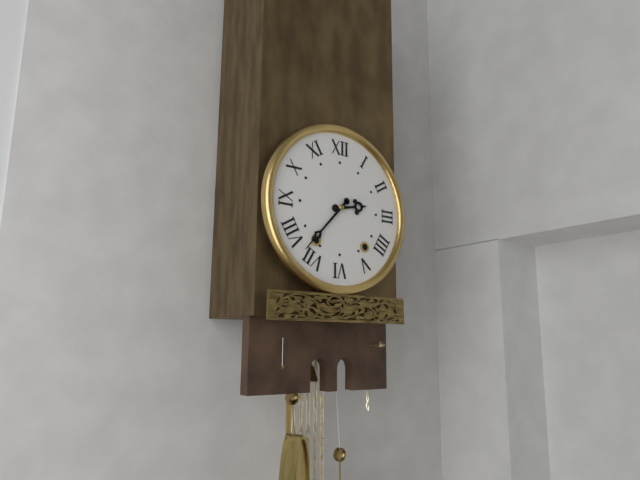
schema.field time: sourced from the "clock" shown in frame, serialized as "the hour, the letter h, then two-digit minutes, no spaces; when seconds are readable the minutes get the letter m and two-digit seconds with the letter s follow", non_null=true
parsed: 2h37
